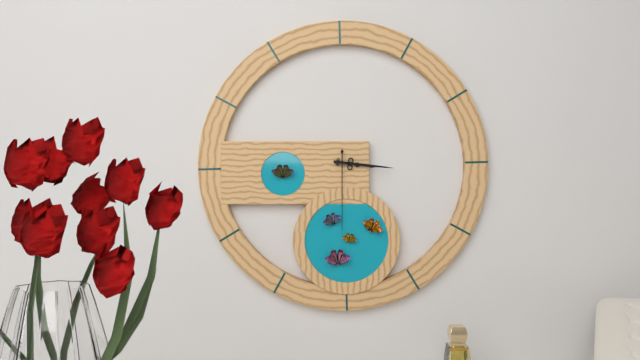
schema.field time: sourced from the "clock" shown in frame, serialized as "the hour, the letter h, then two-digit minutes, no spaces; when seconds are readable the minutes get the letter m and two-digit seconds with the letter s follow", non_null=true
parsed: 3h16m30s
